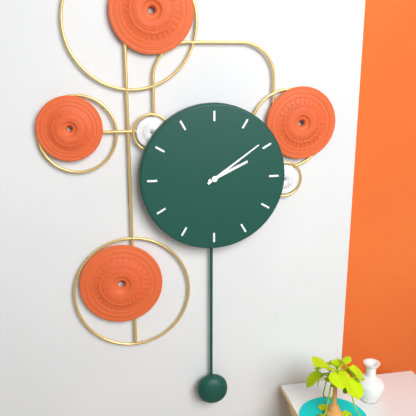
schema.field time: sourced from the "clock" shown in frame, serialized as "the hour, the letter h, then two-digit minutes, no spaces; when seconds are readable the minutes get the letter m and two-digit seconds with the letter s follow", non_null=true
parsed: 2h09
